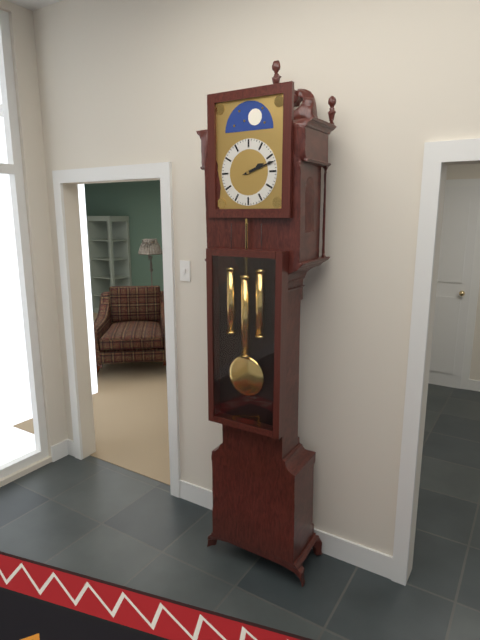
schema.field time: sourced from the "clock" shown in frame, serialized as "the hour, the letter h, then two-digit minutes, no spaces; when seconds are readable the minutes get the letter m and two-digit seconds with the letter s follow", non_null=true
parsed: 2h12
